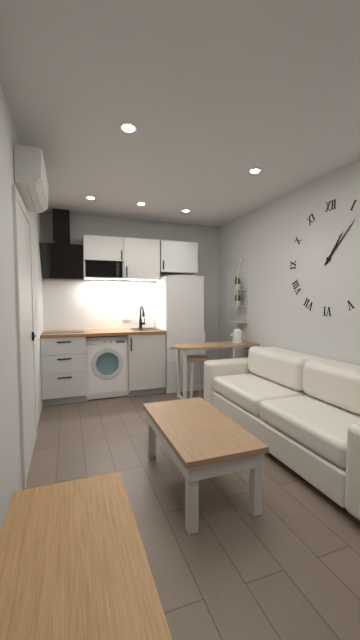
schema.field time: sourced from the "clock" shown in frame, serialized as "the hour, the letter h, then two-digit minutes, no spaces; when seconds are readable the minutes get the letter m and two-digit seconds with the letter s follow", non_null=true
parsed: 1h07
